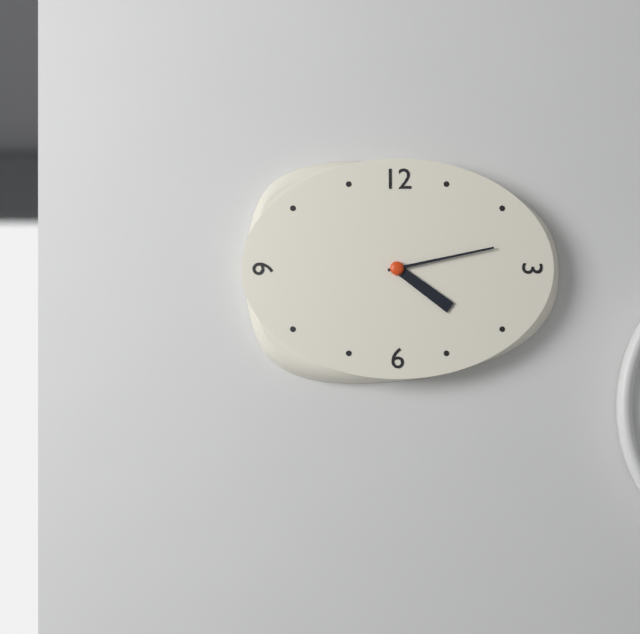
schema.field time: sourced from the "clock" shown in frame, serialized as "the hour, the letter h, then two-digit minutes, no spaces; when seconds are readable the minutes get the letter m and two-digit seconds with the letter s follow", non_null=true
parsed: 4h13
